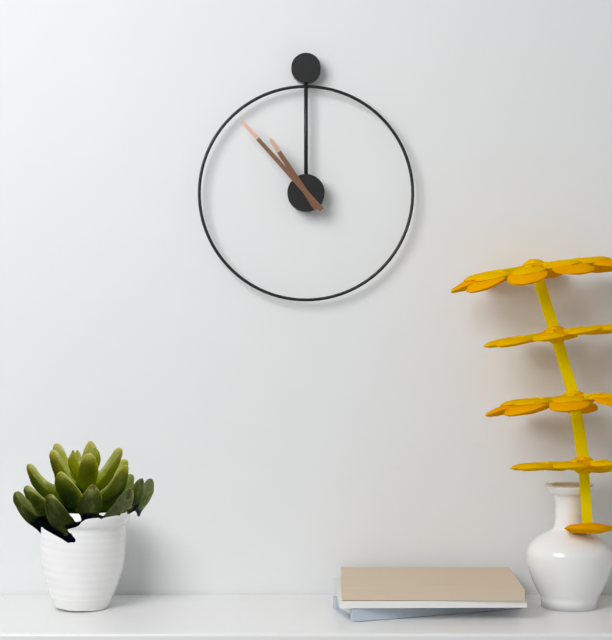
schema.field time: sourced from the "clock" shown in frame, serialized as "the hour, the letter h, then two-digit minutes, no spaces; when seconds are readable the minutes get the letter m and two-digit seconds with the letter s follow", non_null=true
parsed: 10h53
